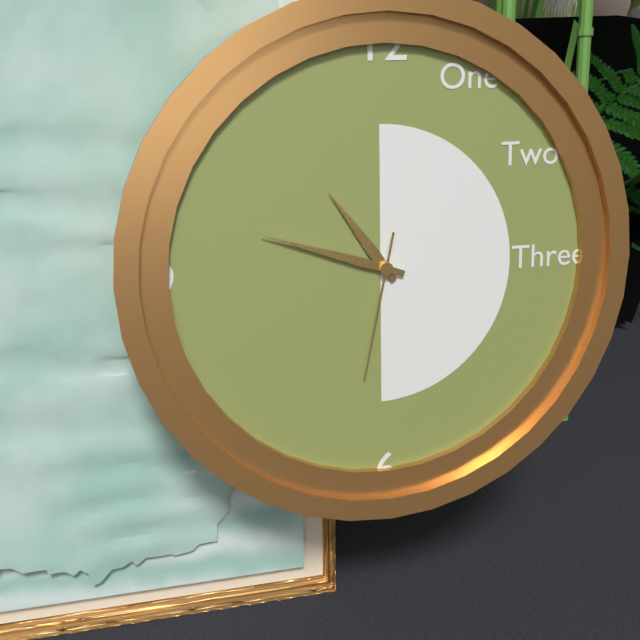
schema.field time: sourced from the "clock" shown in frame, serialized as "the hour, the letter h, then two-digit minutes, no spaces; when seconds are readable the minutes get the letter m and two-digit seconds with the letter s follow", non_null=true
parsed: 10h48m32s
